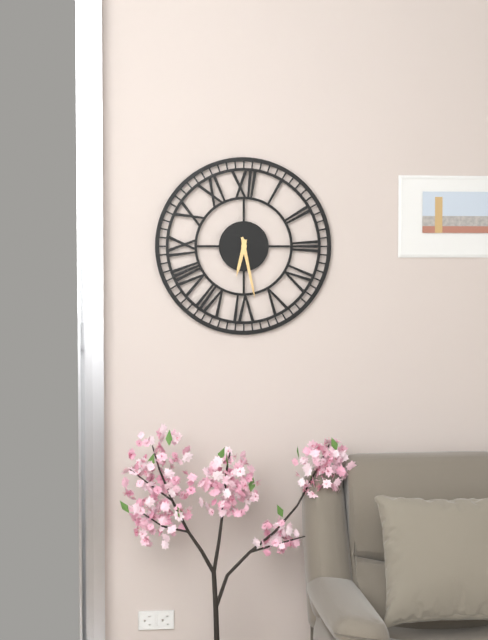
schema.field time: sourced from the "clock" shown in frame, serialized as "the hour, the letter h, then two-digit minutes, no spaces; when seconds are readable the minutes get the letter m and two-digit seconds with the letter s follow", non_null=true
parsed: 6h28
